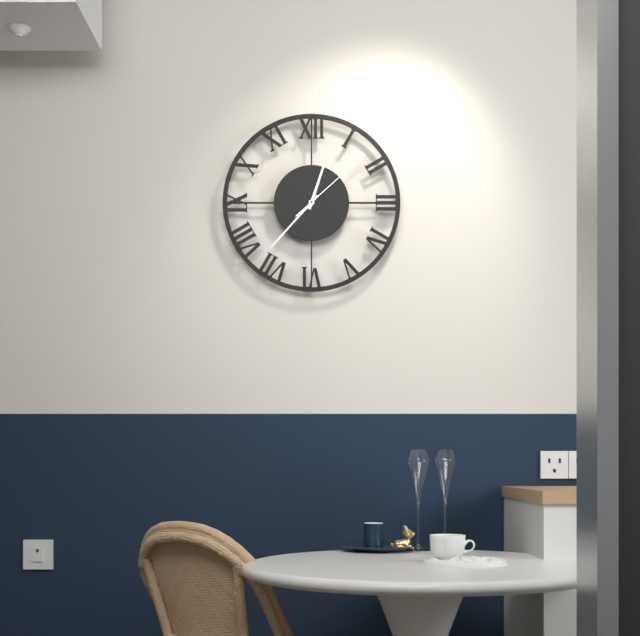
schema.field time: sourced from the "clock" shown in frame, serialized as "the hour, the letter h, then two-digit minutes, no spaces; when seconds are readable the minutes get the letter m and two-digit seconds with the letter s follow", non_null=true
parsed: 12h37m08s
